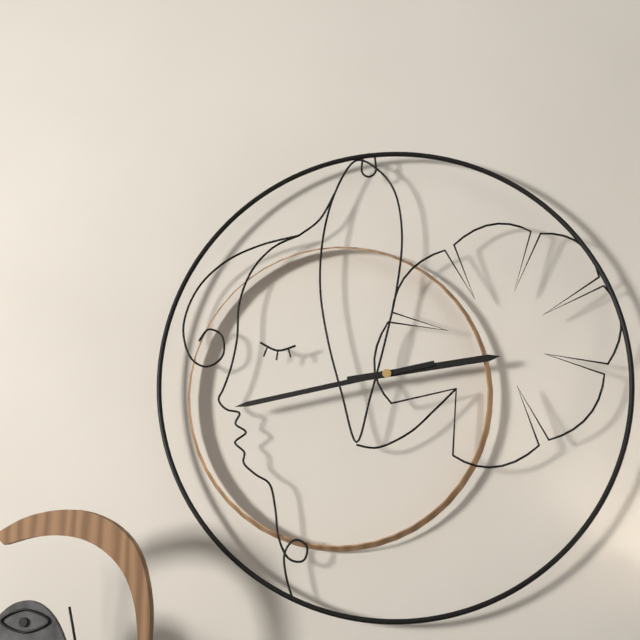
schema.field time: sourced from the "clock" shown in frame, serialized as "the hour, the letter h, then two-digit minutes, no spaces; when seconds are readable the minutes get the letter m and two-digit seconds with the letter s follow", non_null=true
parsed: 2h43
